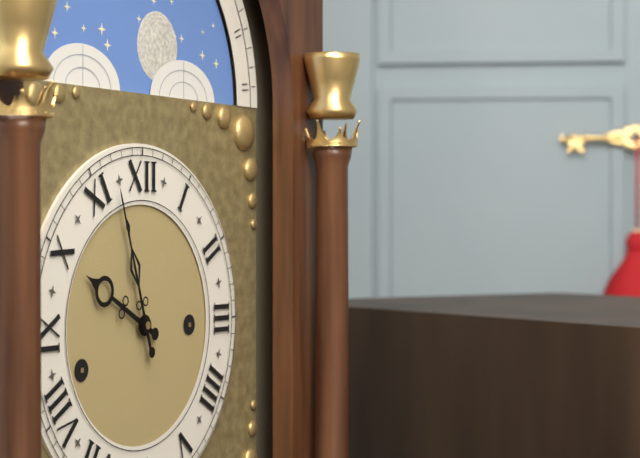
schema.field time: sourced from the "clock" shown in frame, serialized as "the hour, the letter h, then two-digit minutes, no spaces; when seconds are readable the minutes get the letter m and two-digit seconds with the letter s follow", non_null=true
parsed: 9h57
